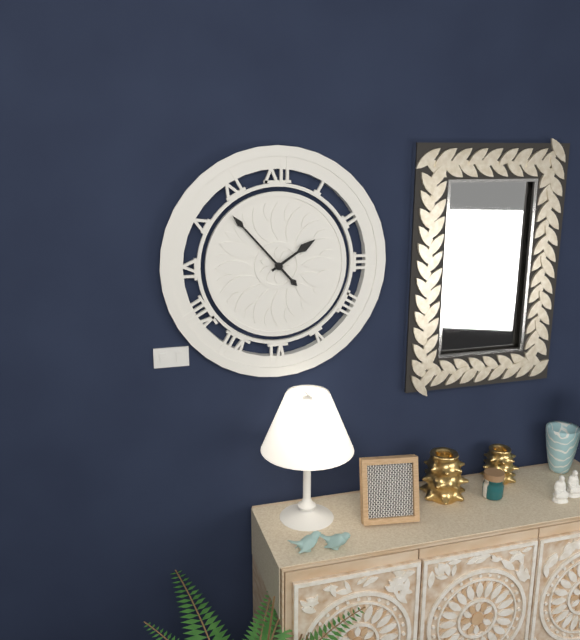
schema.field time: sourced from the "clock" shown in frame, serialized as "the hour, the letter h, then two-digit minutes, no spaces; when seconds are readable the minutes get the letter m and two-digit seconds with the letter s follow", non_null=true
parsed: 1h53
